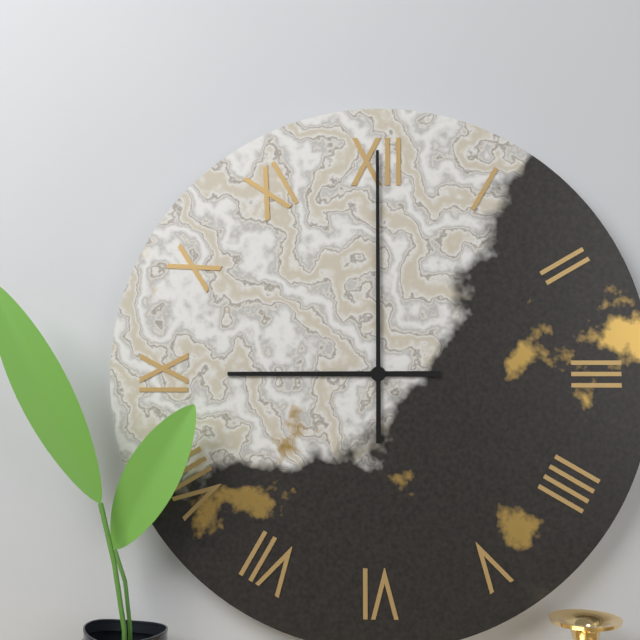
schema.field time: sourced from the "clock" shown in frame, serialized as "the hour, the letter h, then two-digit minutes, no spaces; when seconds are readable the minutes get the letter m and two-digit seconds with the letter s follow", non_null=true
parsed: 9h00
